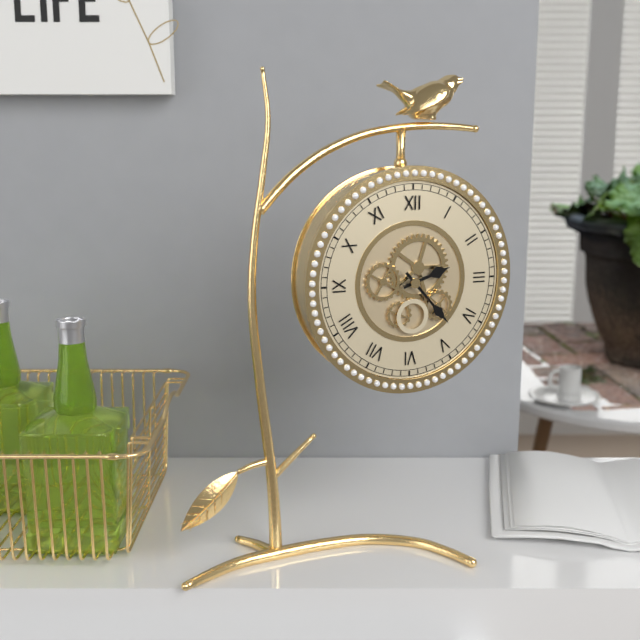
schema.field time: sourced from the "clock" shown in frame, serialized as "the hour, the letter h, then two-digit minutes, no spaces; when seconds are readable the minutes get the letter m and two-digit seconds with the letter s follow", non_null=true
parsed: 2h23
